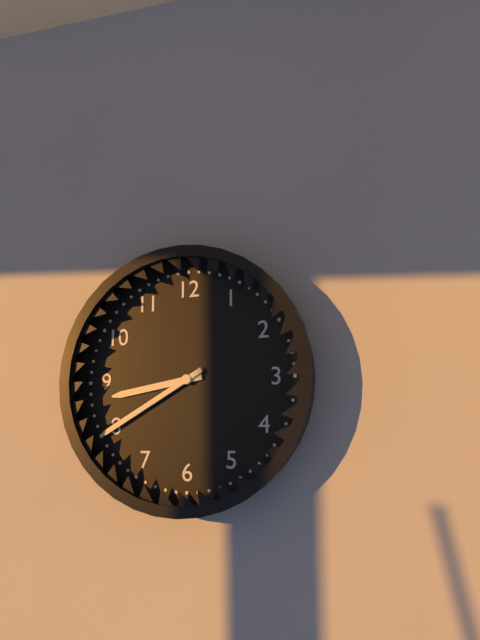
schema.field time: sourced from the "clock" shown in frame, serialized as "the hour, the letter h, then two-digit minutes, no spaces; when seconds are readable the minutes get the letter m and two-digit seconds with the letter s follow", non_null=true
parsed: 8h40
